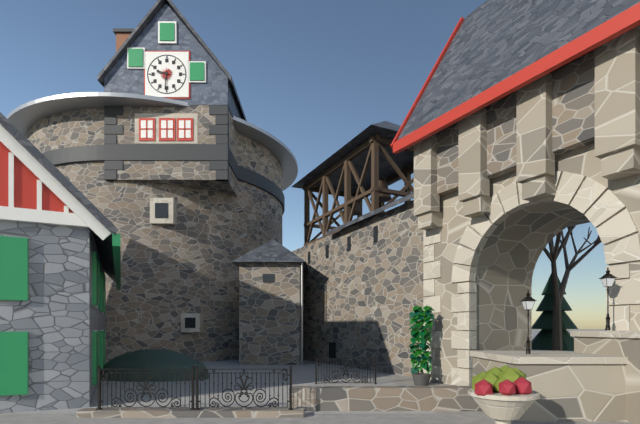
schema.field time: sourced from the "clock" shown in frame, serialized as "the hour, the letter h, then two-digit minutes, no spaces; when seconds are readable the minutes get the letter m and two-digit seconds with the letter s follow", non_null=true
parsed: 9h31
